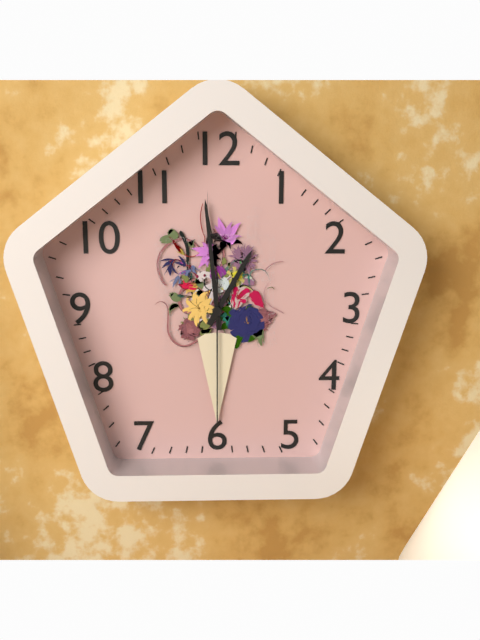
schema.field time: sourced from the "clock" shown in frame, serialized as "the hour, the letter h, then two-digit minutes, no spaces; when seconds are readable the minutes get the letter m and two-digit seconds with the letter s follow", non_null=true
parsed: 12h59m30s
